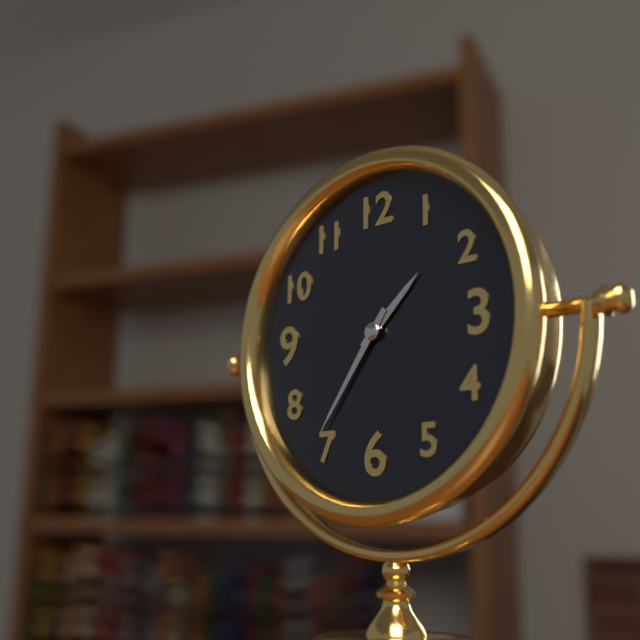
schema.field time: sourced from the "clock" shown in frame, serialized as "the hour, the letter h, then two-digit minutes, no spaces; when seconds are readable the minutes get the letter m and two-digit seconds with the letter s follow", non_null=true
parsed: 1h36
